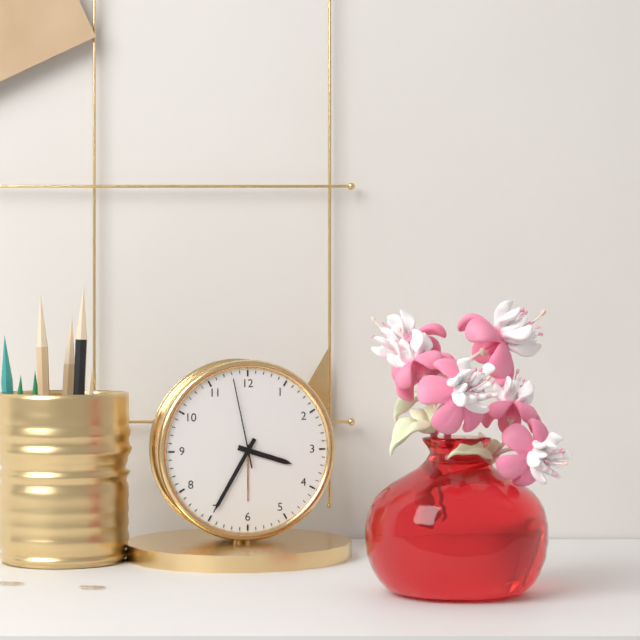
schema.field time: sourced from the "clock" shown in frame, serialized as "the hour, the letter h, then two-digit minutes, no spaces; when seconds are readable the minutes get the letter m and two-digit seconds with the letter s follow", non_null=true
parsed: 3h35m58s
